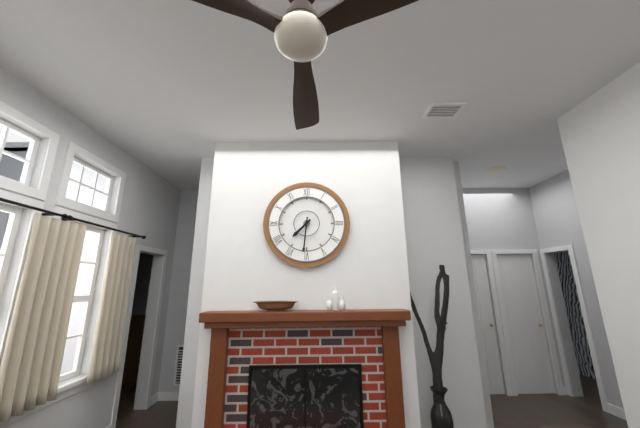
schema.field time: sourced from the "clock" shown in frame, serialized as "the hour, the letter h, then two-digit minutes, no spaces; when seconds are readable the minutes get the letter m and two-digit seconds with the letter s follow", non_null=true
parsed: 7h31
